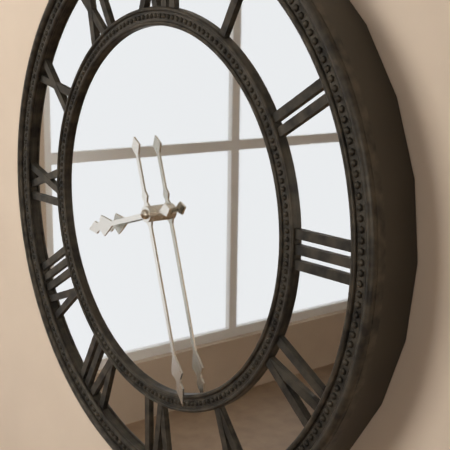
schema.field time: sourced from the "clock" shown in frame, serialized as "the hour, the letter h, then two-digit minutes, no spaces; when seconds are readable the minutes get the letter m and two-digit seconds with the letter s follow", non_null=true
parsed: 8h27
